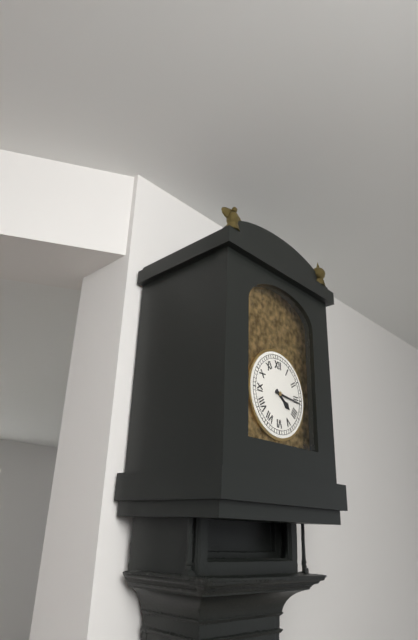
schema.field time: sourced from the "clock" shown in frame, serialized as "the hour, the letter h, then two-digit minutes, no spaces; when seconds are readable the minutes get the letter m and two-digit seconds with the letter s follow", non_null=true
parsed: 4h16
